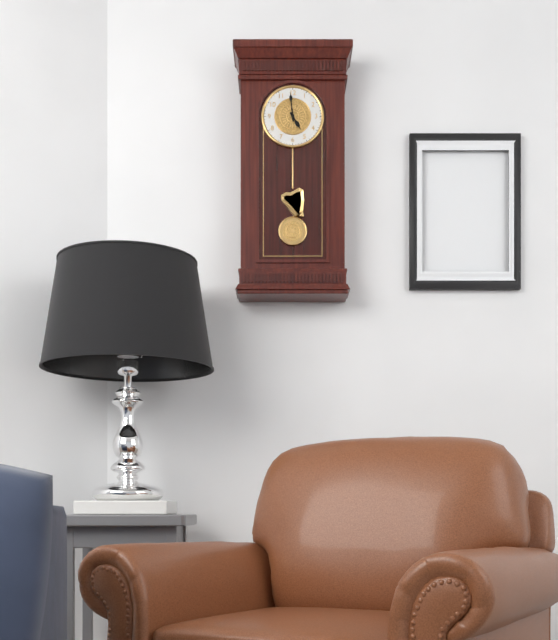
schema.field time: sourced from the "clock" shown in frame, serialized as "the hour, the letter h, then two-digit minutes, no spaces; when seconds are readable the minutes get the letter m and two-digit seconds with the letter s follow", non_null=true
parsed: 4h59
